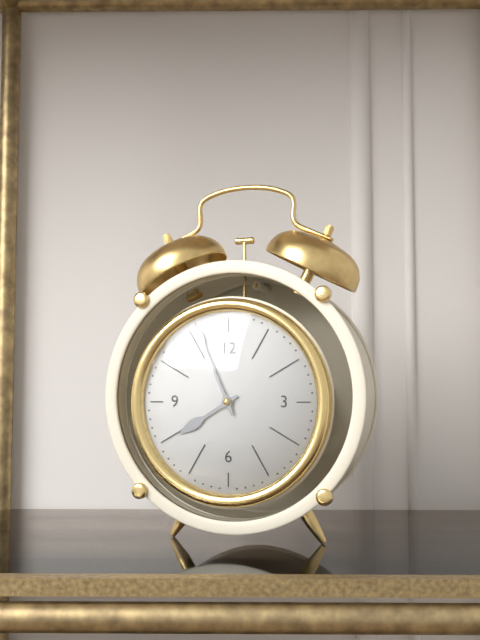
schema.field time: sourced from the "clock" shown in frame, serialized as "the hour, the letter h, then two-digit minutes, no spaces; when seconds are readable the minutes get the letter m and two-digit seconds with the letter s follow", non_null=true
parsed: 7h56
